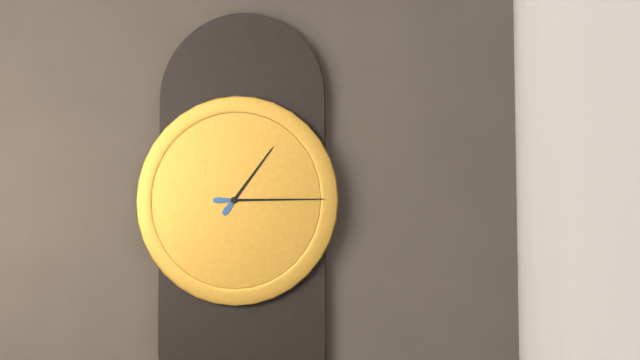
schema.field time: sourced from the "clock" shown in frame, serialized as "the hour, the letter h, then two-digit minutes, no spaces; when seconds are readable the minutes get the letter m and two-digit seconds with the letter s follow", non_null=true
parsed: 1h15
